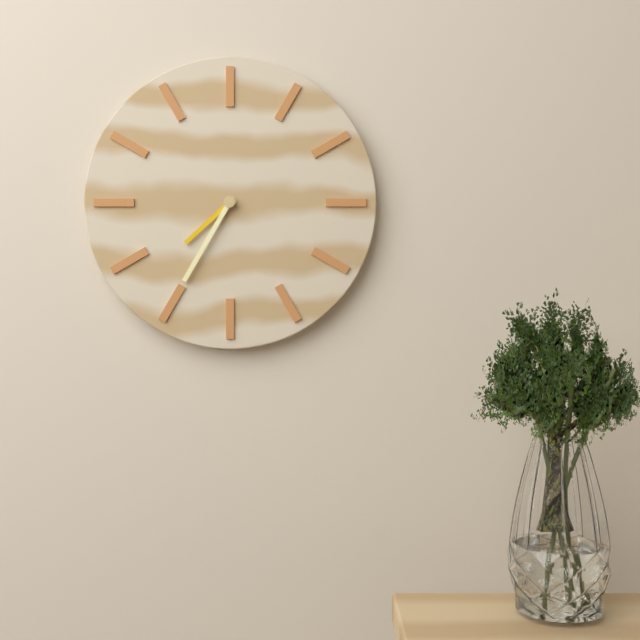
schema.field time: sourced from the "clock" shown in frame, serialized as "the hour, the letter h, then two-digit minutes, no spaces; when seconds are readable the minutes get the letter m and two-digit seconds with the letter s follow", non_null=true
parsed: 7h35
